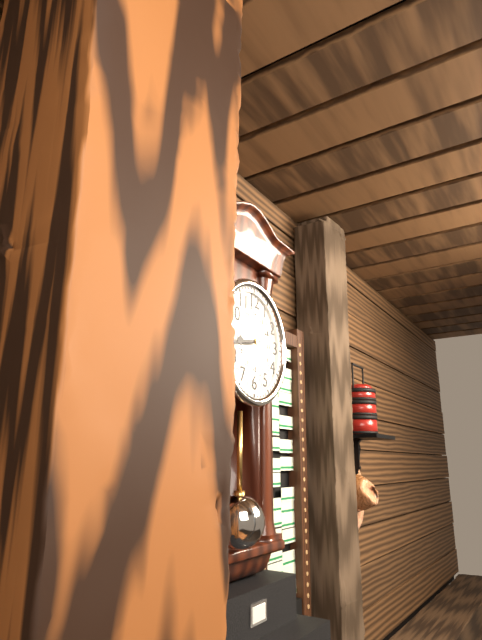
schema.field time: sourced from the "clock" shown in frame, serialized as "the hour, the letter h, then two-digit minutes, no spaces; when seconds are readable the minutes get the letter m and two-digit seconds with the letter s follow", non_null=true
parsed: 8h43
